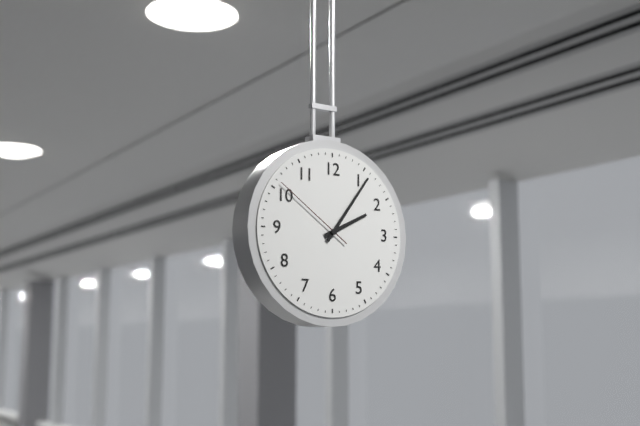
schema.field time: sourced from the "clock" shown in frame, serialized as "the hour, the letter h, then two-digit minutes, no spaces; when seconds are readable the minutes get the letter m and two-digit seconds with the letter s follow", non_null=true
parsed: 2h06m51s
